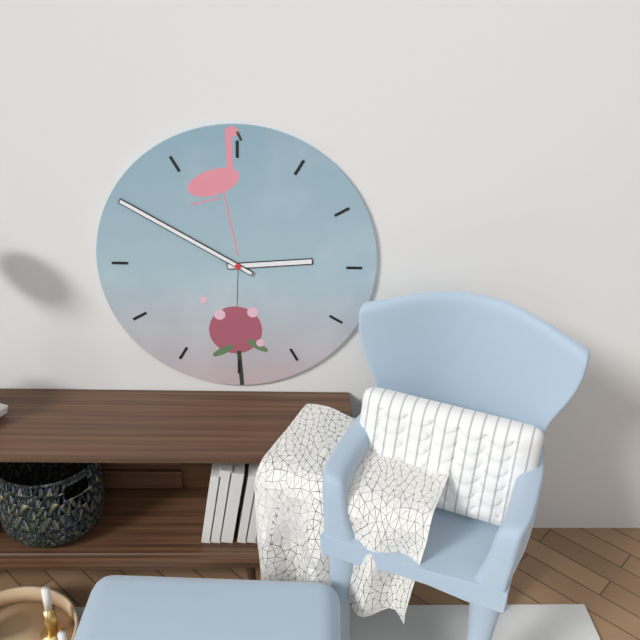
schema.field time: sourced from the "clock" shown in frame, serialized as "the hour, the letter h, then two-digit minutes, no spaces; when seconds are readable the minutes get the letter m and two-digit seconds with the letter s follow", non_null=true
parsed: 2h50
